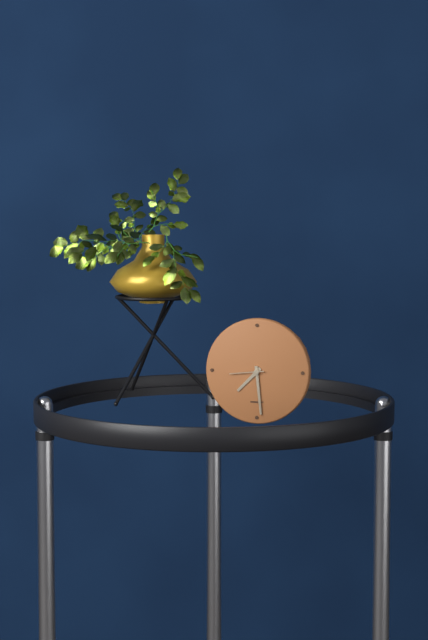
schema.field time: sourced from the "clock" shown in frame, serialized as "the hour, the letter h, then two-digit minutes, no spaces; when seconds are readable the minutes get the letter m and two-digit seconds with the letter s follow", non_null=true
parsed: 7h29
